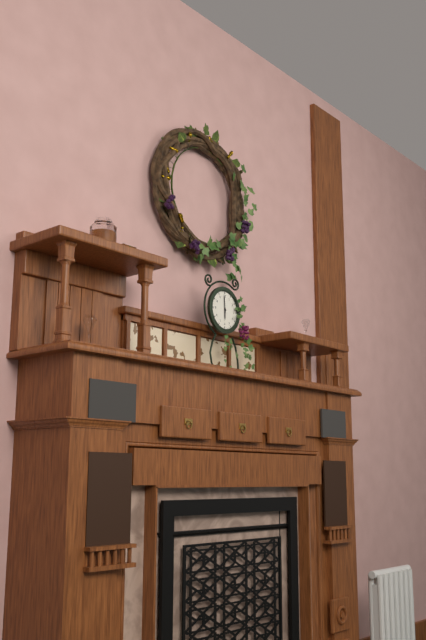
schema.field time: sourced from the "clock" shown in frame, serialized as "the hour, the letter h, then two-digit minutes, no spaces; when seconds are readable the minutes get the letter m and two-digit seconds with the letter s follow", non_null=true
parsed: 5h59
